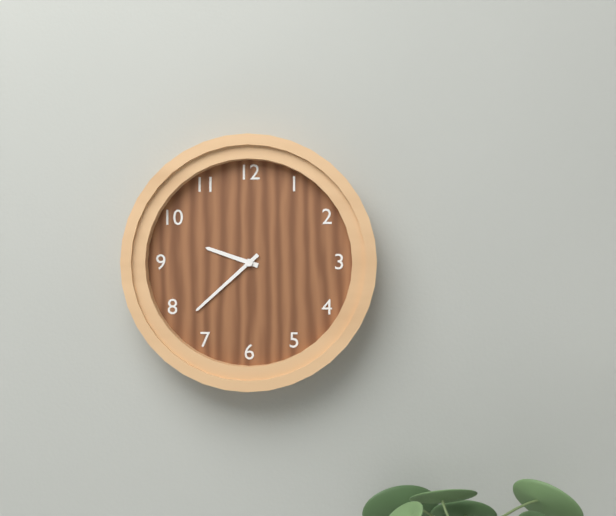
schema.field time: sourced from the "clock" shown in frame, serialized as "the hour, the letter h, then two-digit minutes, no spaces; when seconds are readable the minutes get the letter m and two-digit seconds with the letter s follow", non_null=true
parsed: 9h38
